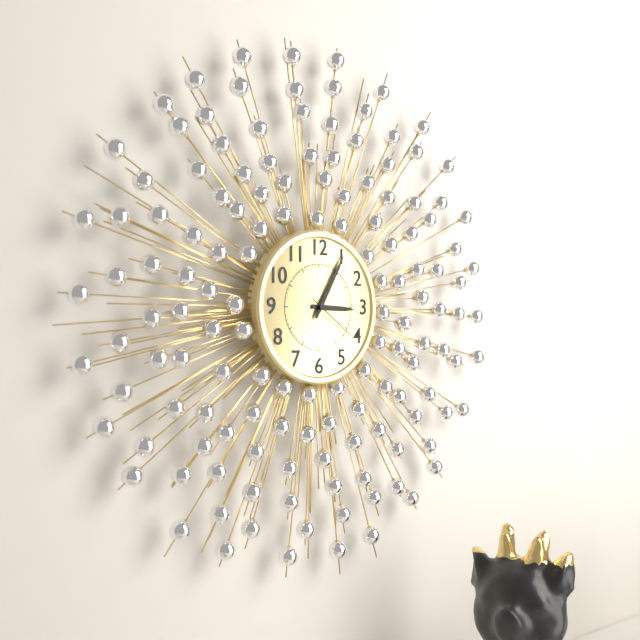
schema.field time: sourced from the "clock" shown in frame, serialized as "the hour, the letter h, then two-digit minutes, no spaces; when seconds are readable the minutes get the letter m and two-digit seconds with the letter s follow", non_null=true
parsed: 3h05m21s
